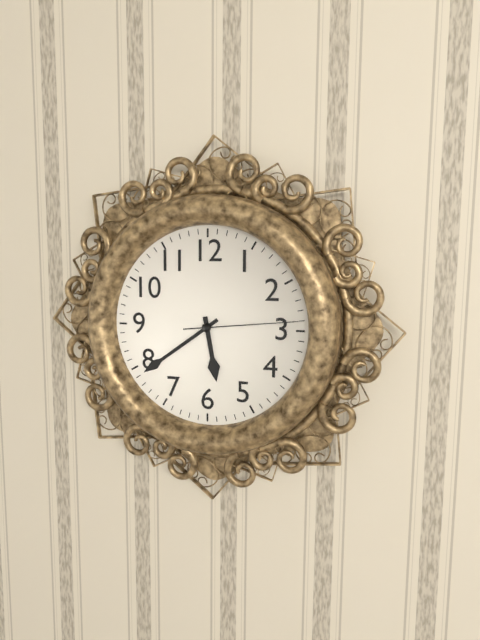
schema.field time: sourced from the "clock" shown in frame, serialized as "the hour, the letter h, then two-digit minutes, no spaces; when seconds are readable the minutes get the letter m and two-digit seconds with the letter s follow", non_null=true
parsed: 5h39m14s
